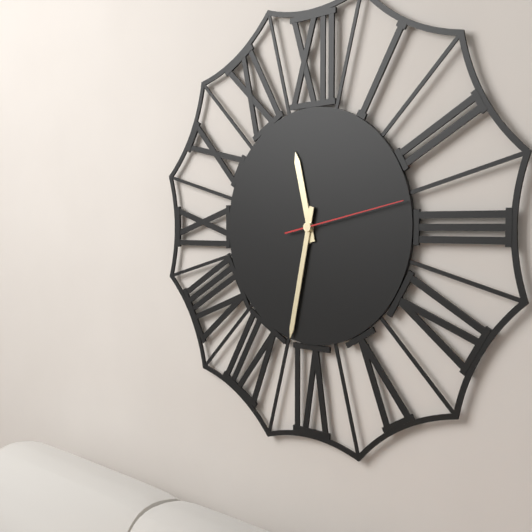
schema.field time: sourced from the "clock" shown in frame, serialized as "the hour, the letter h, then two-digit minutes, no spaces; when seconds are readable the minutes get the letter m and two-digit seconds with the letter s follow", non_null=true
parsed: 11h32m13s
